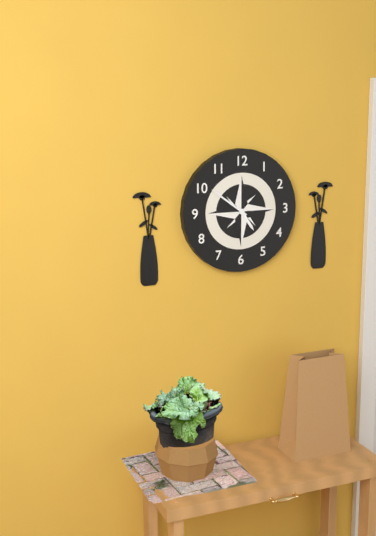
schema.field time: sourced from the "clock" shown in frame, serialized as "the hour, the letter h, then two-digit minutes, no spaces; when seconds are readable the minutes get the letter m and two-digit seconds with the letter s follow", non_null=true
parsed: 4h51
